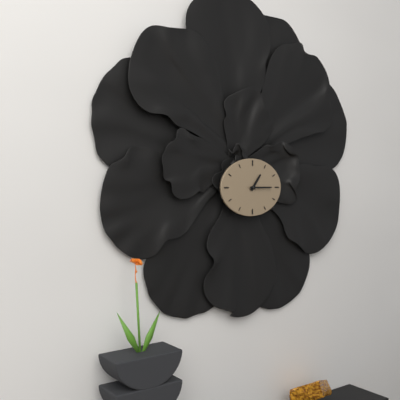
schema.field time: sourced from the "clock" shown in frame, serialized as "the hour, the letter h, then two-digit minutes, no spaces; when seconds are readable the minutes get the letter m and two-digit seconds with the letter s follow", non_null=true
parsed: 1h15
